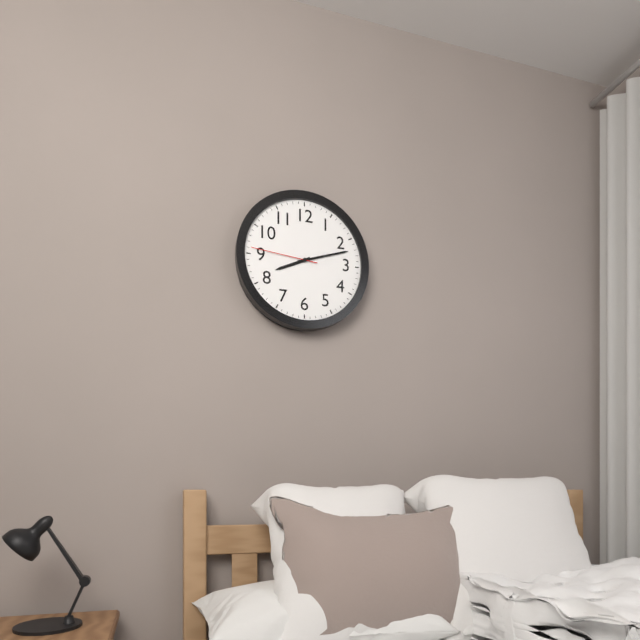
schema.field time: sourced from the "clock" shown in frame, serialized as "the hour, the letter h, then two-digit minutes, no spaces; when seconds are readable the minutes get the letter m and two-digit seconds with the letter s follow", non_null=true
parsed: 8h12m46s
